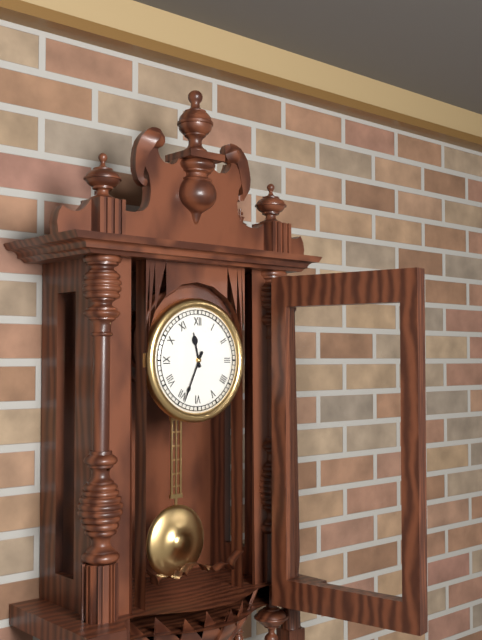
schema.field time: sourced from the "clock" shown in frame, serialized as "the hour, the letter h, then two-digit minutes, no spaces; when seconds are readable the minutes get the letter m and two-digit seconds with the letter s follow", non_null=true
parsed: 11h34
